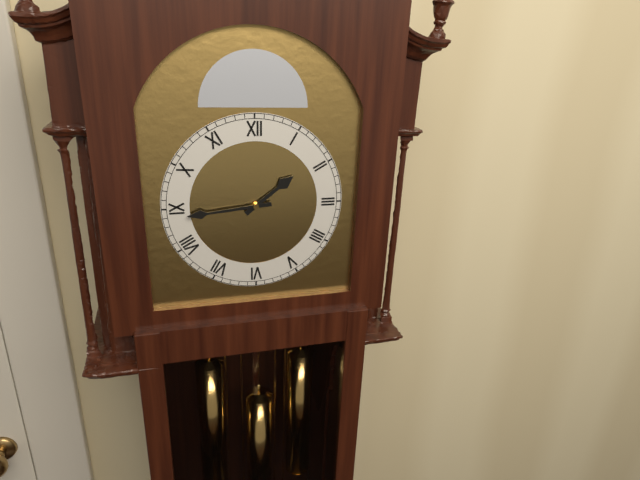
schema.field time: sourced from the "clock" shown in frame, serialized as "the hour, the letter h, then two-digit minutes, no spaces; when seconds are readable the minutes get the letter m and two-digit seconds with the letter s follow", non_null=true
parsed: 1h44
